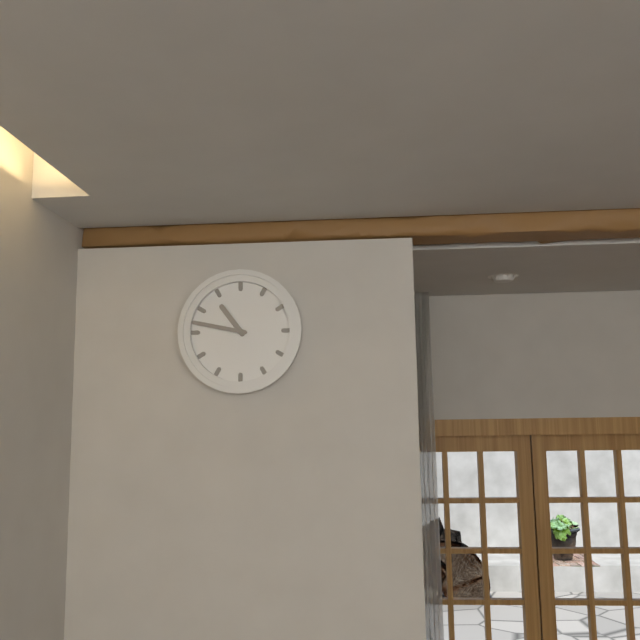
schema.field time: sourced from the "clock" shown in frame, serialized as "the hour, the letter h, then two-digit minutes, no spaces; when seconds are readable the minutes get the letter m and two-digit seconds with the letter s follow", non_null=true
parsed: 10h47
